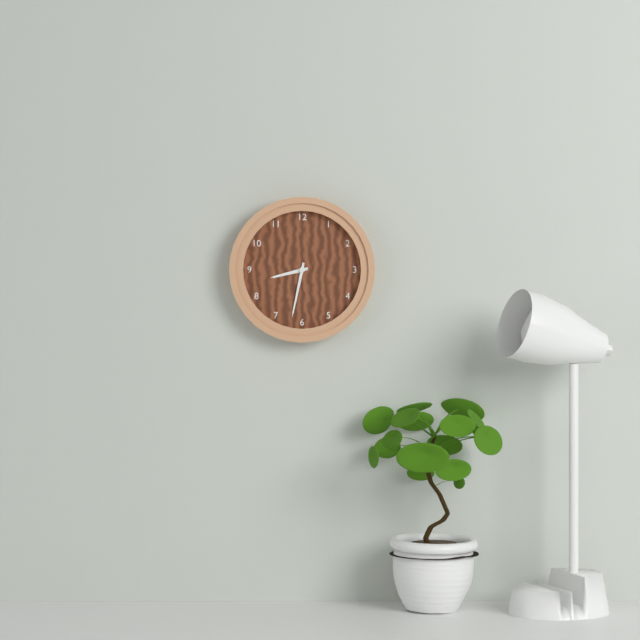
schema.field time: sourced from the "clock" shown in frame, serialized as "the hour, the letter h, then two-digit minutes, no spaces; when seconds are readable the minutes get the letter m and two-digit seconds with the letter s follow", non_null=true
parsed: 8h32
